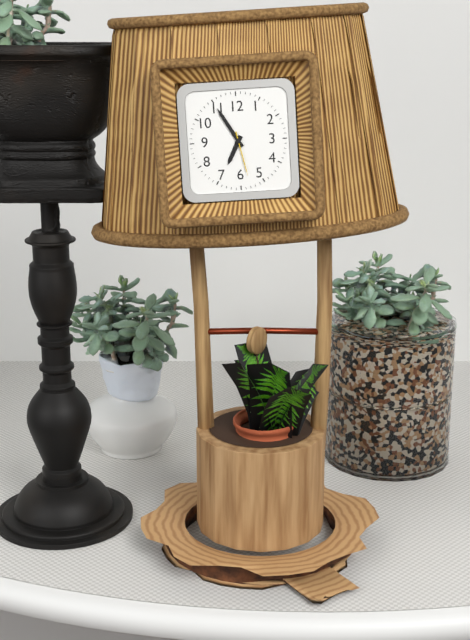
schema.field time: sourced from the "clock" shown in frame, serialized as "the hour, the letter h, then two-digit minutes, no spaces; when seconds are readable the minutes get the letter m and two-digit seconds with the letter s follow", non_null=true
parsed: 6h55
